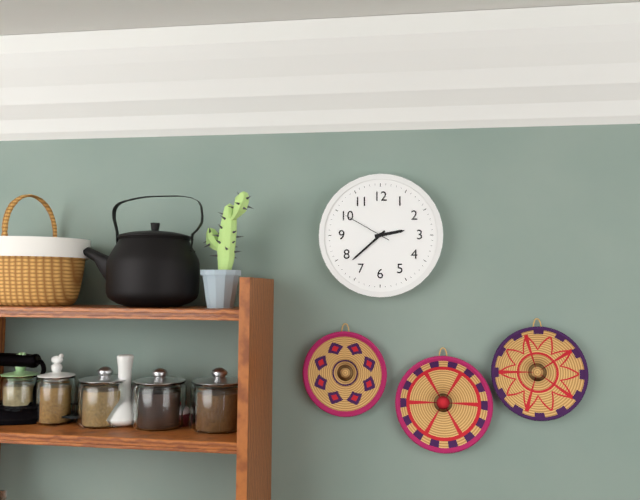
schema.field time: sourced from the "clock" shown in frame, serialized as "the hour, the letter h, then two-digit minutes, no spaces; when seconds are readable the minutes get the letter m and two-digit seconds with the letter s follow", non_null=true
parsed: 2h38m50s
